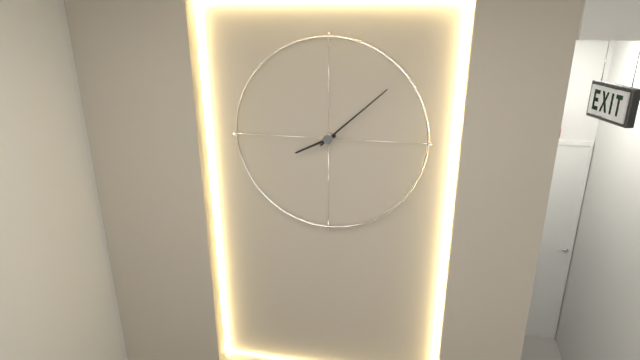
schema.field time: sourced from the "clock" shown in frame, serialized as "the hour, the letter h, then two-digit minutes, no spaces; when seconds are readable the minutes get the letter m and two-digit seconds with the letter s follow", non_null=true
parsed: 8h08
